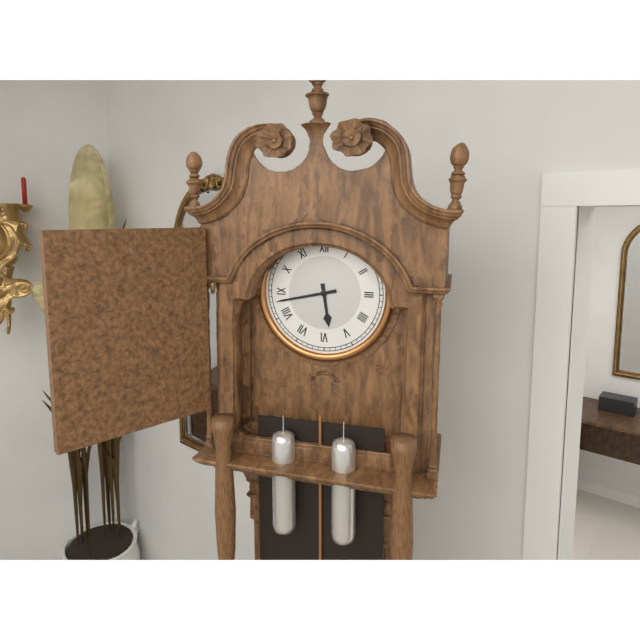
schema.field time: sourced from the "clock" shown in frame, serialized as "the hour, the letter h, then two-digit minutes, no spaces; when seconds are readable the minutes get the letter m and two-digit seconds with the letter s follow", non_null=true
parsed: 5h43
